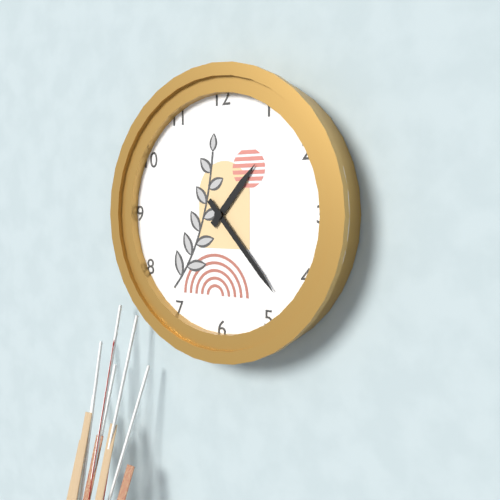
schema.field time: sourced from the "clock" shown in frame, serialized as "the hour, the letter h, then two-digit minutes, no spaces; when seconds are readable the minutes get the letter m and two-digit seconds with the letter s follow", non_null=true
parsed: 1h23
